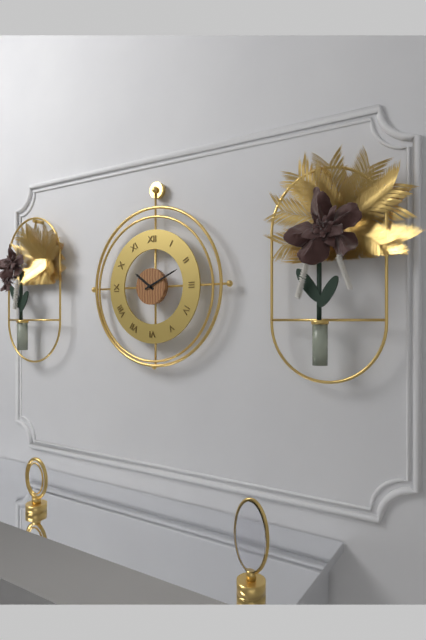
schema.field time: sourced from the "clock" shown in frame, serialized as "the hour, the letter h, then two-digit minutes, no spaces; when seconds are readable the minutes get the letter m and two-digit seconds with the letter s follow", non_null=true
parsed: 10h11
